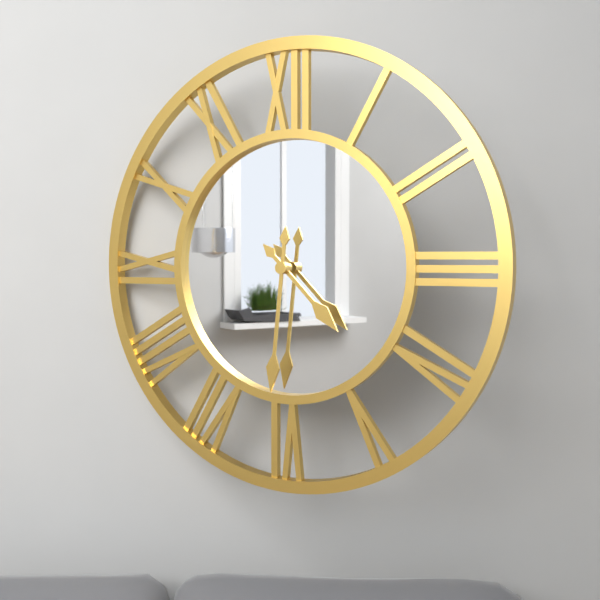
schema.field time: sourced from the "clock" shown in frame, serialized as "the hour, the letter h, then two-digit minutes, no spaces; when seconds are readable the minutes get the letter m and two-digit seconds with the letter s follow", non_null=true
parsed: 4h31
